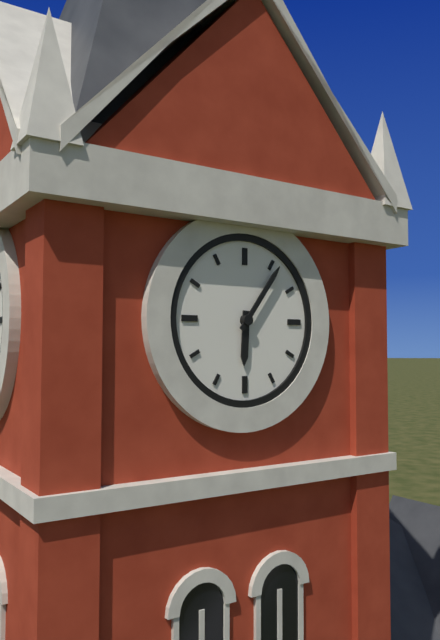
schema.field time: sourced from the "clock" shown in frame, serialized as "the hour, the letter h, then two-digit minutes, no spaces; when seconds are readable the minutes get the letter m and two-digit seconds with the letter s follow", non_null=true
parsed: 6h06
